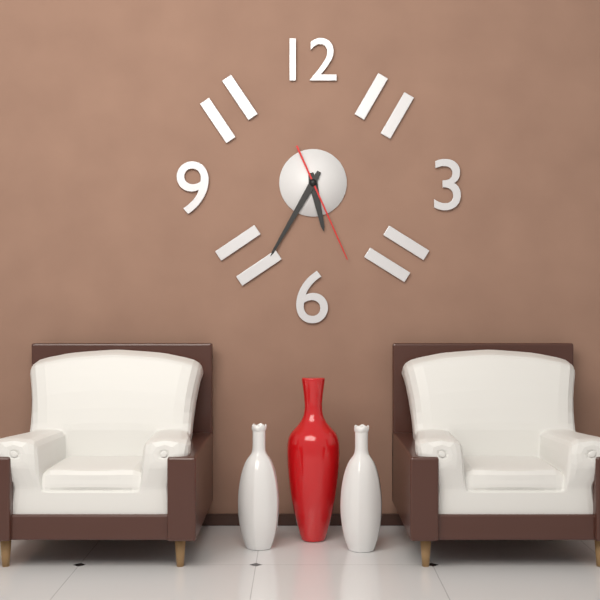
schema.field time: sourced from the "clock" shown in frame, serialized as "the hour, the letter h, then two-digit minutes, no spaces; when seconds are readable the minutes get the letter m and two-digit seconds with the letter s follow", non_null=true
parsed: 5h35m26s
